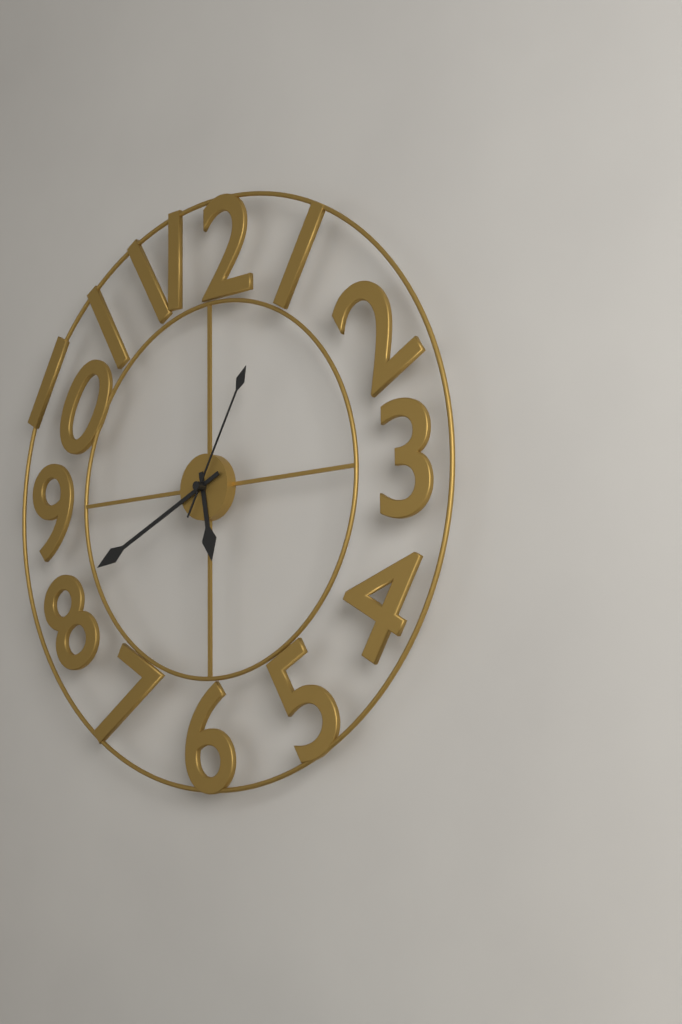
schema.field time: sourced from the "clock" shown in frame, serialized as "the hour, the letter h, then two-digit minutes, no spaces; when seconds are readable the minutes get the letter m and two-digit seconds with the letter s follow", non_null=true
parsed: 5h41m05s
